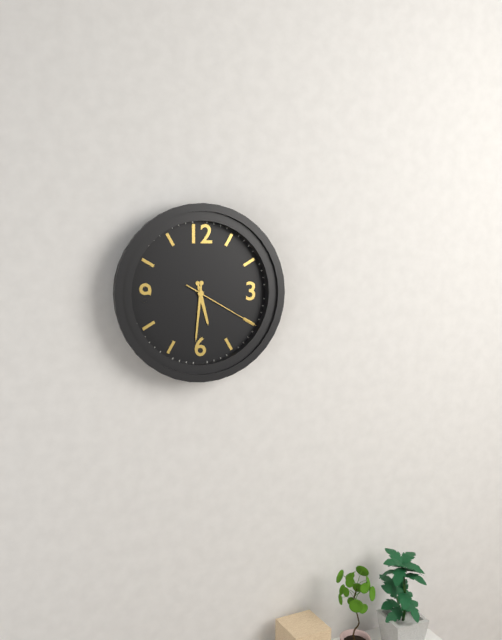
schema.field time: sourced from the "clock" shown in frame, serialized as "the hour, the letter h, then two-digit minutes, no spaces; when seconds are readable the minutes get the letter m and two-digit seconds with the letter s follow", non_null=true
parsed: 5h31m20s
